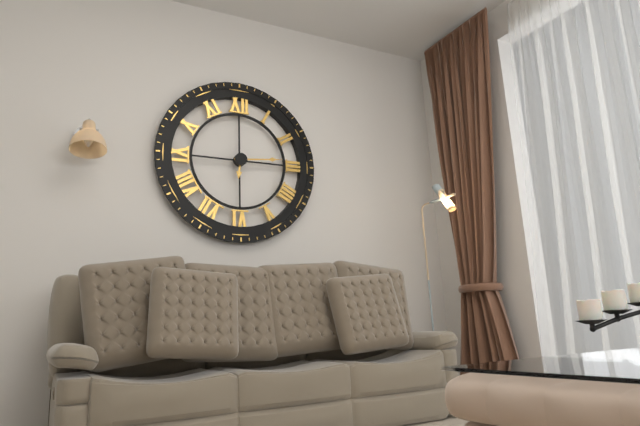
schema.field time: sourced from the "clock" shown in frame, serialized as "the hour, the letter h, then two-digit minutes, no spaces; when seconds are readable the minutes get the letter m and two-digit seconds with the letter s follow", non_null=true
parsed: 6h14
